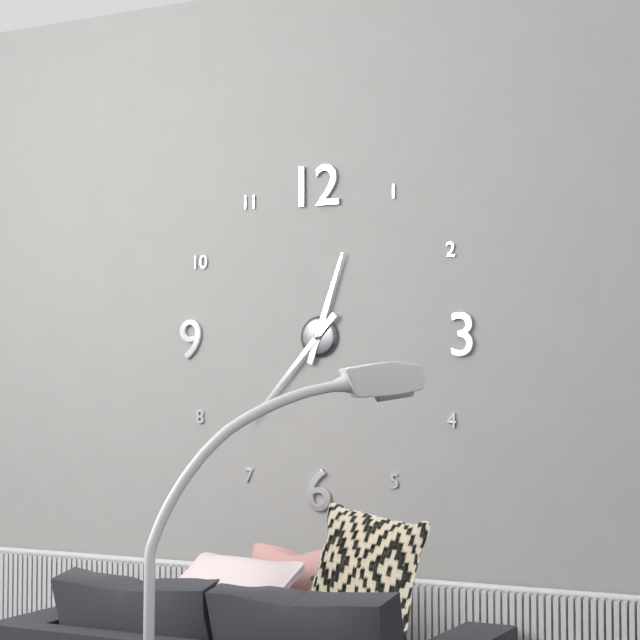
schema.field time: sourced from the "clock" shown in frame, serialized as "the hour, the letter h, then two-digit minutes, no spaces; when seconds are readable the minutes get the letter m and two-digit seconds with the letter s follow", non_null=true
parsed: 12h37
